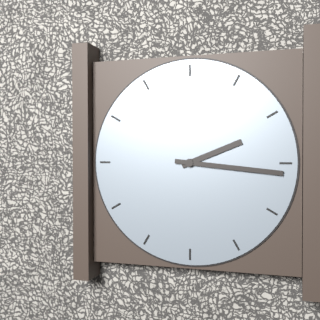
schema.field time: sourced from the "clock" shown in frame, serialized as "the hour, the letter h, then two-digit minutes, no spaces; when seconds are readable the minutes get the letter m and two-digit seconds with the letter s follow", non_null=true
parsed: 2h16
